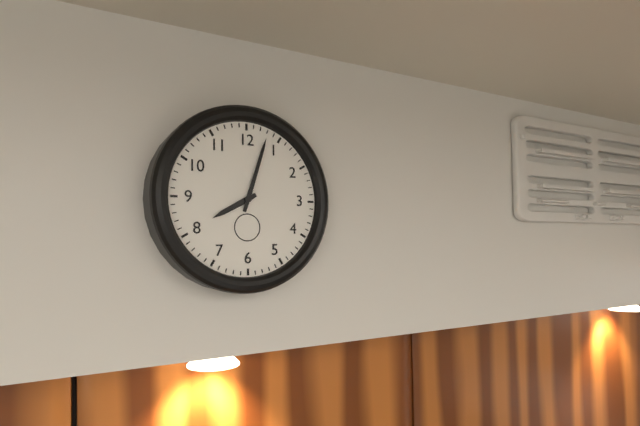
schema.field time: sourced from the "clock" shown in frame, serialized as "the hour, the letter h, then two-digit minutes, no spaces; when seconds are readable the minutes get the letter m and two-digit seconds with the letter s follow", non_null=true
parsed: 8h03
